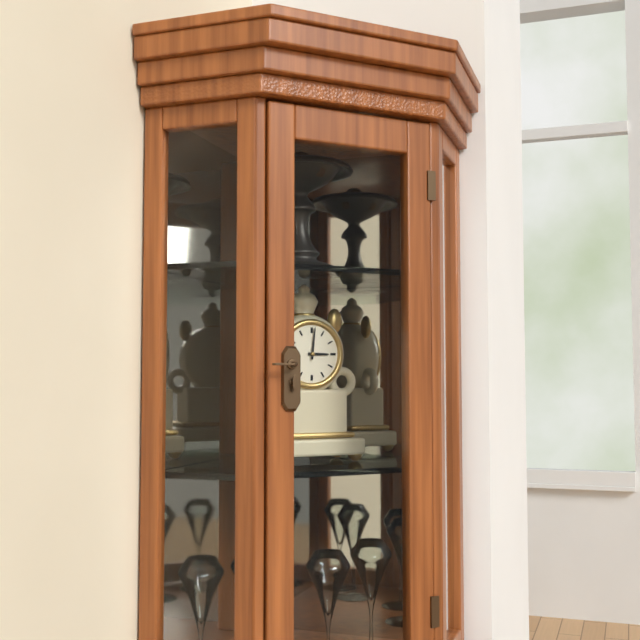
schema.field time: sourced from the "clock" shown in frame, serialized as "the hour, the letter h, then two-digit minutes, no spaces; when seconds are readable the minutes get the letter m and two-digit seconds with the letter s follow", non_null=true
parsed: 3h01
